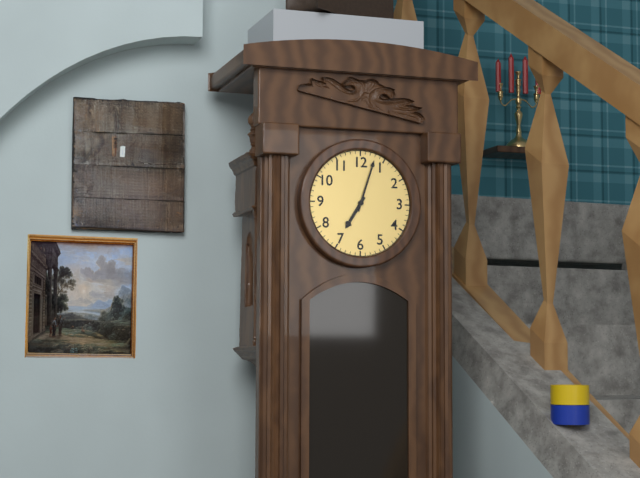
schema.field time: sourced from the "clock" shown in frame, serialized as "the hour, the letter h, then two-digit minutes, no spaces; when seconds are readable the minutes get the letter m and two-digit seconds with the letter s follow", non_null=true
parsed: 7h03
